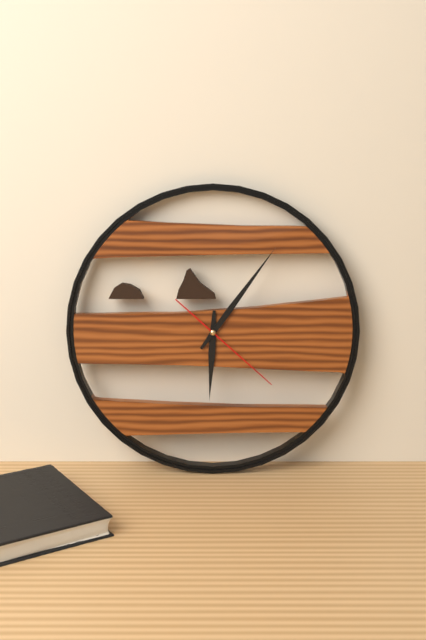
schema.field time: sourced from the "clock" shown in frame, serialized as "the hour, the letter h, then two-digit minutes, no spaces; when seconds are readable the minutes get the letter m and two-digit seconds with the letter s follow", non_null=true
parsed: 6h06m22s
